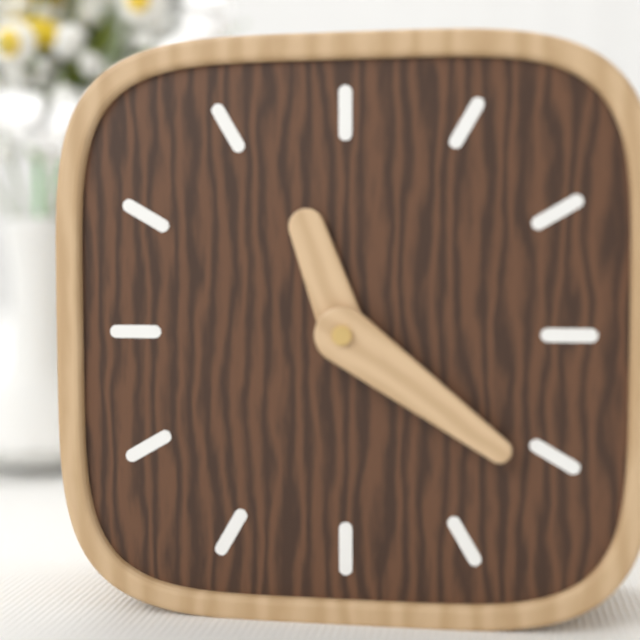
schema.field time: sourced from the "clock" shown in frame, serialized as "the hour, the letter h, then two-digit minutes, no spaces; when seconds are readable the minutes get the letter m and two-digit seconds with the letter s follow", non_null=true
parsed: 11h21
